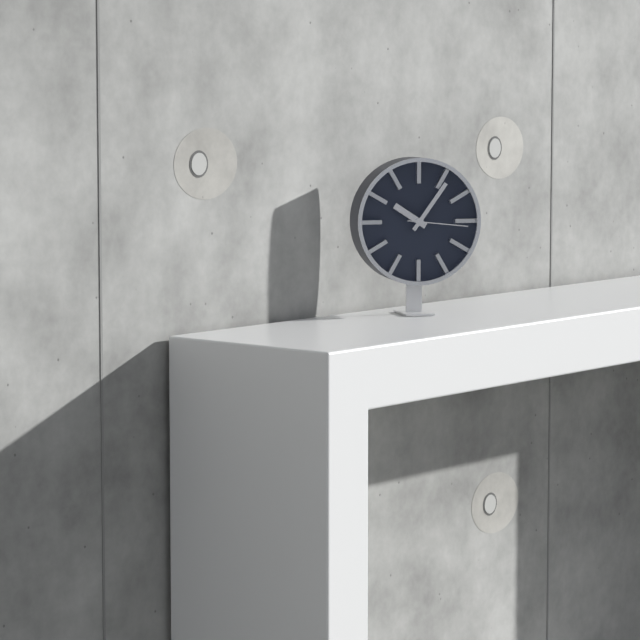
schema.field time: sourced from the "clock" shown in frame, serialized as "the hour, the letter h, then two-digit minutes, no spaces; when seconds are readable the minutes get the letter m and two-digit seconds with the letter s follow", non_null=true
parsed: 10h06m16s
